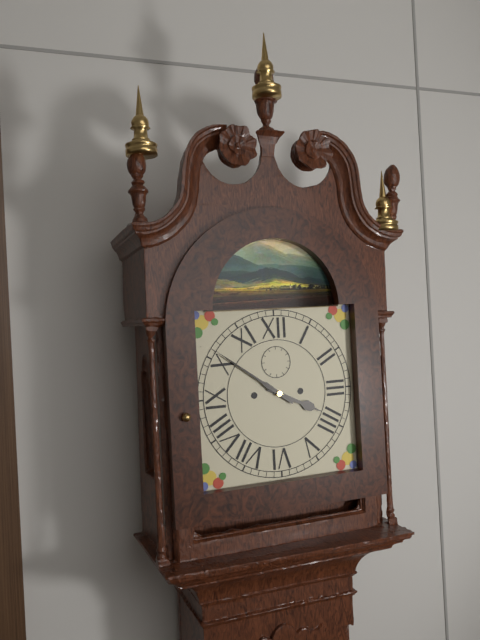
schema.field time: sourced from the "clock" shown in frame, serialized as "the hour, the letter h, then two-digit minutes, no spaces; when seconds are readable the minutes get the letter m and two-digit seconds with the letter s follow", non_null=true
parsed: 3h51
